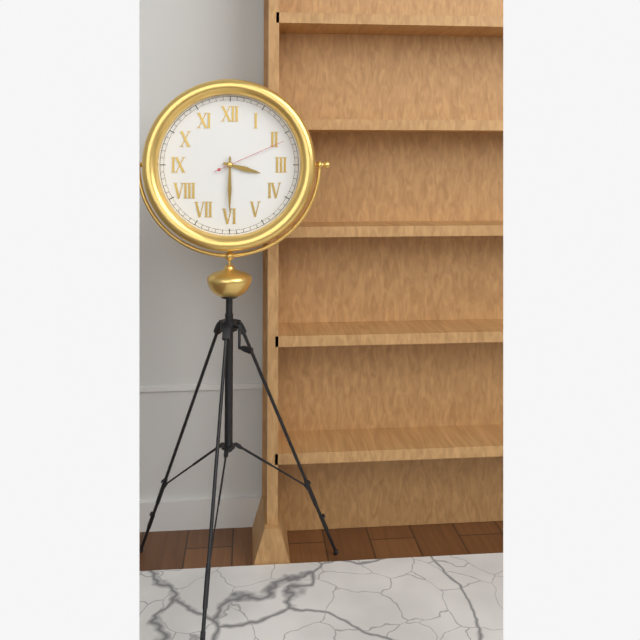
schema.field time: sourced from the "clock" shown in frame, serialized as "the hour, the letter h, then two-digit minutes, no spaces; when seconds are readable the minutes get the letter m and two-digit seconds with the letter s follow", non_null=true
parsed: 3h30m11s
